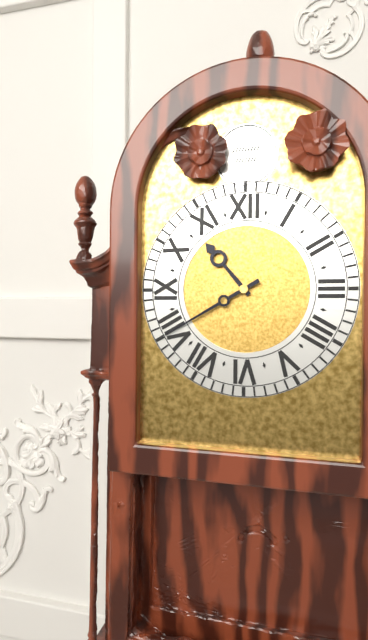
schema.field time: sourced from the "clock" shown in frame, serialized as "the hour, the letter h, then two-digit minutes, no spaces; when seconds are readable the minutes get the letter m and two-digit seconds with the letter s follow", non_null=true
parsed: 10h40
